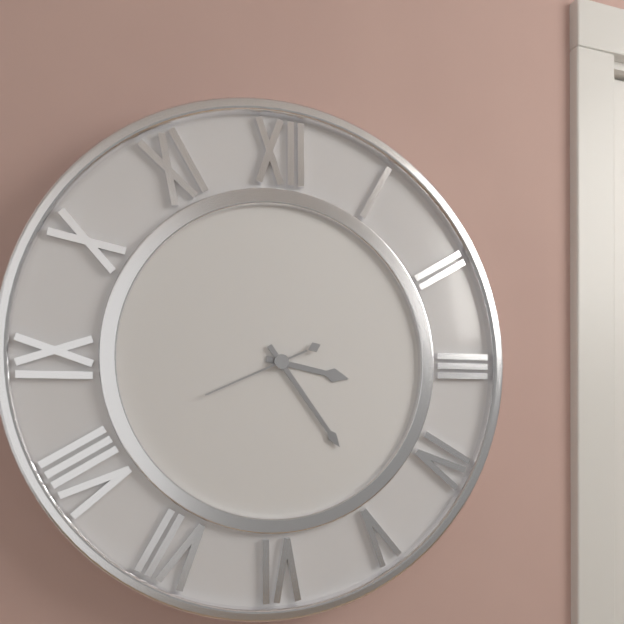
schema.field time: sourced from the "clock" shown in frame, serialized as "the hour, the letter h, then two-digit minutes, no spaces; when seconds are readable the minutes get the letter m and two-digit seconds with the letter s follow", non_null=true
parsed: 3h24m41s
